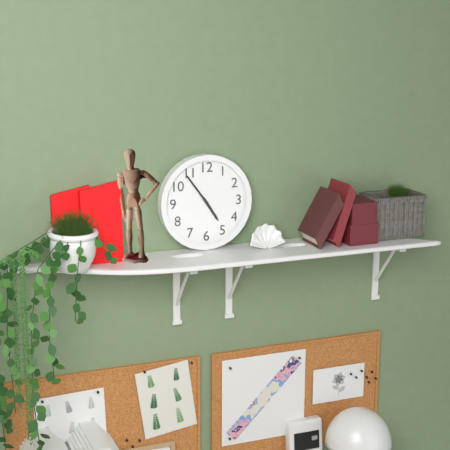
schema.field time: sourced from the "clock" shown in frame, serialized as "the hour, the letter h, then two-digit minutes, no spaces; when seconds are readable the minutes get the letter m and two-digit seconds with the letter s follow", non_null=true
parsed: 4h54
